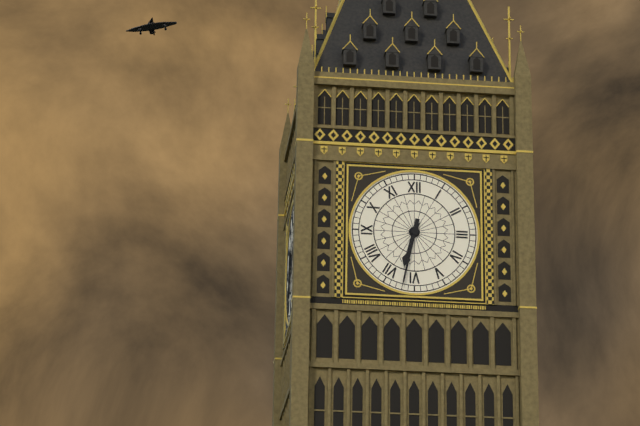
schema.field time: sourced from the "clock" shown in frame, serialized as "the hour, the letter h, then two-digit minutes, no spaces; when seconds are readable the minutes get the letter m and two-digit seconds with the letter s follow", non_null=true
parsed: 6h32
